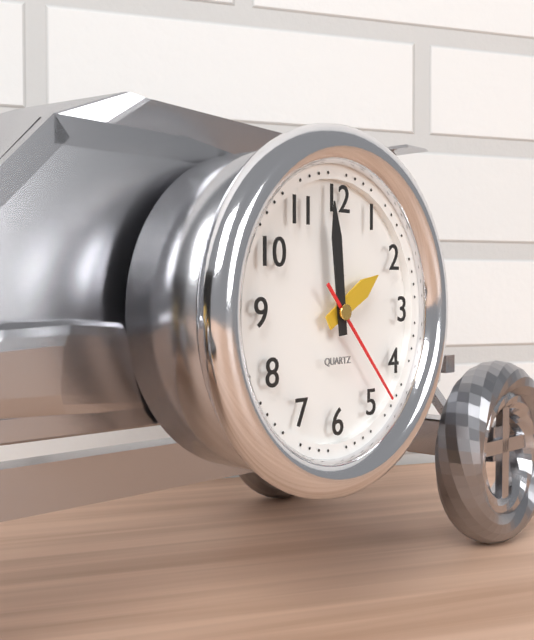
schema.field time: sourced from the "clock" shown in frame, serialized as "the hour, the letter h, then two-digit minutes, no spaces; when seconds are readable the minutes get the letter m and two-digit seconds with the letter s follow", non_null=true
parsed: 1h59m23s
